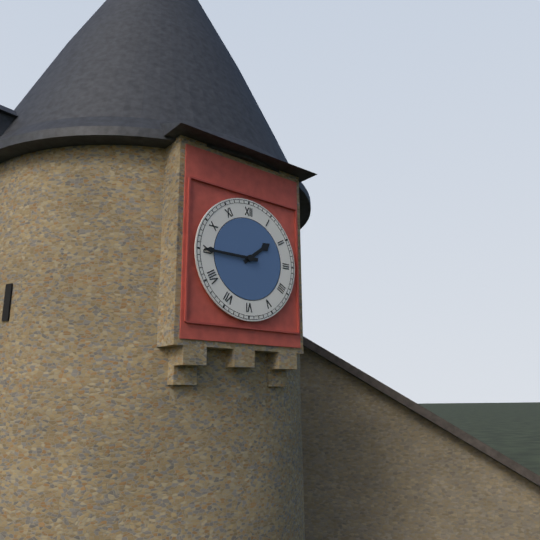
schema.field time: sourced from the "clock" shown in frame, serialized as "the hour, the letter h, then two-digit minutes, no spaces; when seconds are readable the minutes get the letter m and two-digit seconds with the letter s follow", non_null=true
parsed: 1h45
